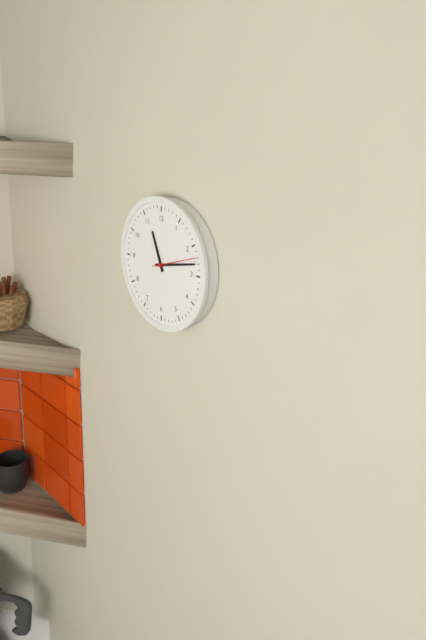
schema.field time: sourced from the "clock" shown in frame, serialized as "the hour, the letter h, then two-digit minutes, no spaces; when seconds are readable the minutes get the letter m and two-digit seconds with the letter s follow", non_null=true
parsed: 11h13
